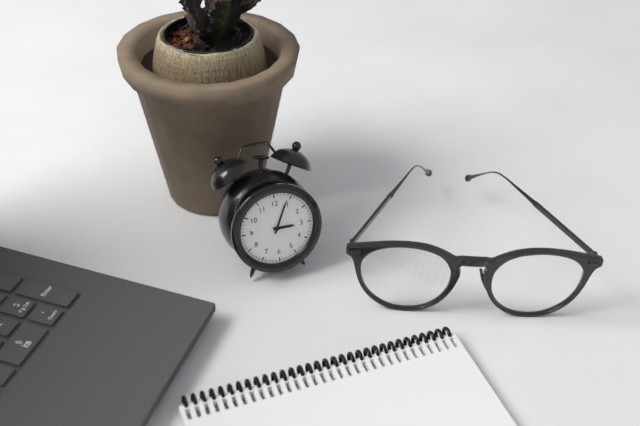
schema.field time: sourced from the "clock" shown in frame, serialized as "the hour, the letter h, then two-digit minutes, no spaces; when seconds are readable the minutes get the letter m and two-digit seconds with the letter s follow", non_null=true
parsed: 3h04
